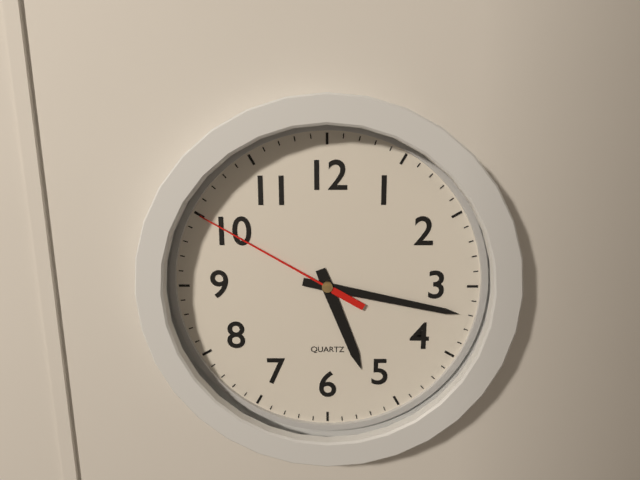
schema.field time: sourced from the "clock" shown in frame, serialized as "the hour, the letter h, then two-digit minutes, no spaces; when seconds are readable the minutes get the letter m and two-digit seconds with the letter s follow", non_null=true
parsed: 5h17m50s
